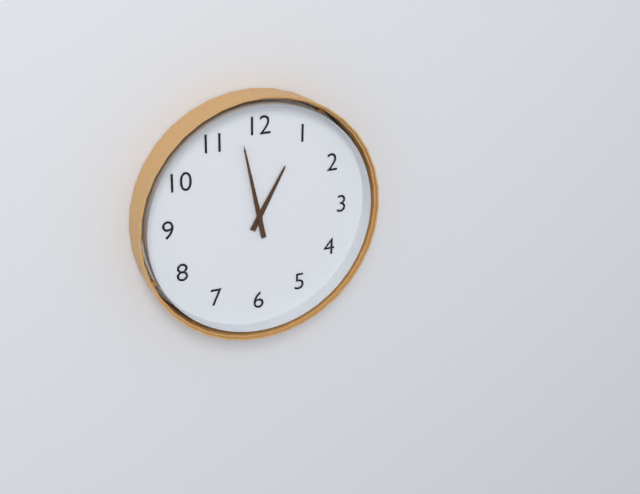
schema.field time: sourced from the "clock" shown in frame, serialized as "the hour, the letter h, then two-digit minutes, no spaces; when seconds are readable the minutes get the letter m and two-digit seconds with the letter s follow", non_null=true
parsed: 12h58
